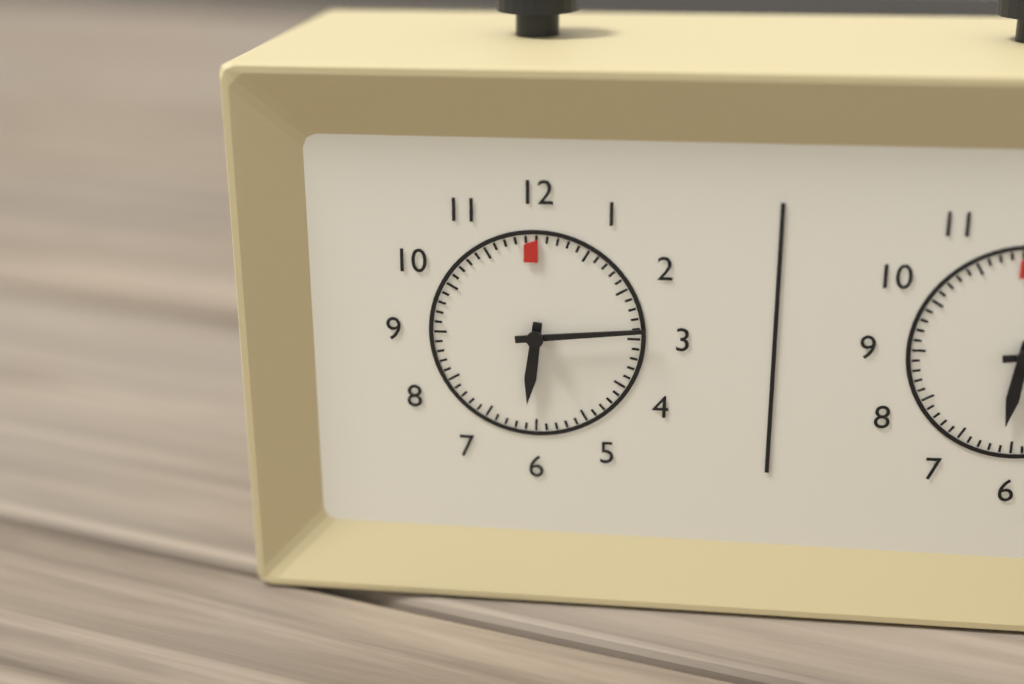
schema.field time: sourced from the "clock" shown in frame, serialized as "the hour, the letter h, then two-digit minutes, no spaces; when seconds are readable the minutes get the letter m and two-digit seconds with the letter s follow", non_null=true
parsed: 6h14
